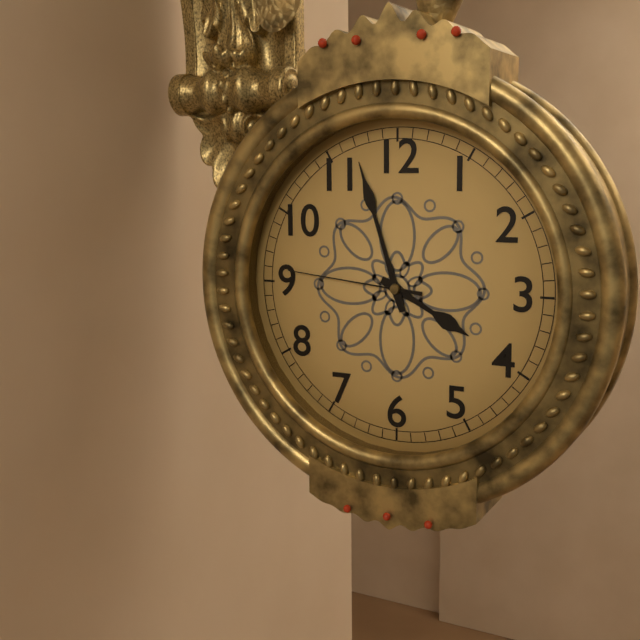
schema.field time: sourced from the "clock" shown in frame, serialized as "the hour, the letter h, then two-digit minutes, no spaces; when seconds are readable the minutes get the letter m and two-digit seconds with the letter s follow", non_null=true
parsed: 3h57m46s
